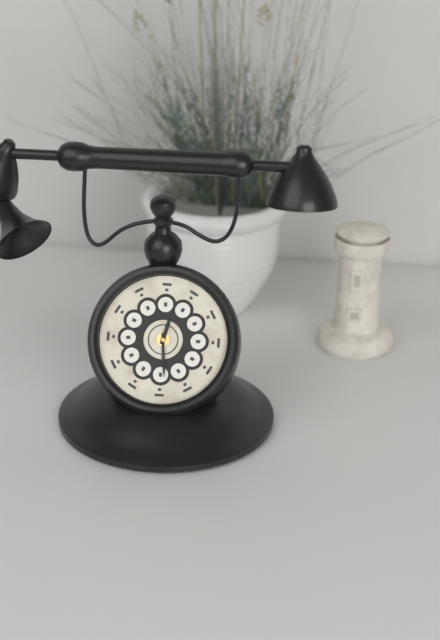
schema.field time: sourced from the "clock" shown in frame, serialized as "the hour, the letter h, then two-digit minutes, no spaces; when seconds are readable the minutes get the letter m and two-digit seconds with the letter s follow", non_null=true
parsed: 12h29
